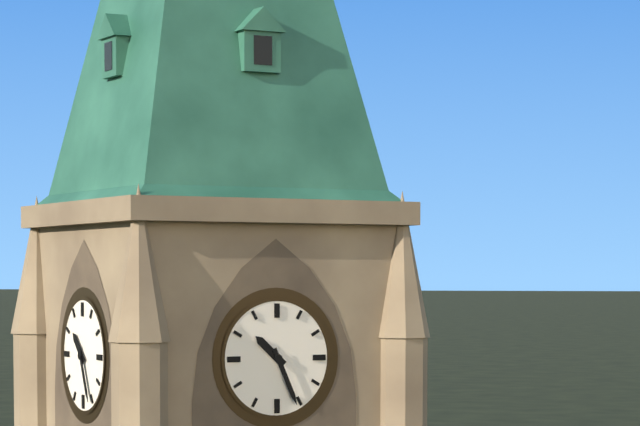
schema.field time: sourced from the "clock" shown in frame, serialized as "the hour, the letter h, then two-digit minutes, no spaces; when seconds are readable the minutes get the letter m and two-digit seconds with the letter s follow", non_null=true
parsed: 10h26
